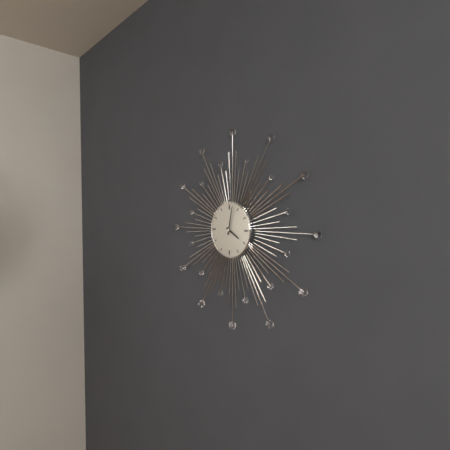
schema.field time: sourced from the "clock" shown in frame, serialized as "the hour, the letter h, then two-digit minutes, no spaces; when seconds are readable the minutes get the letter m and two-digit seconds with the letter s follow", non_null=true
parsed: 4h02
